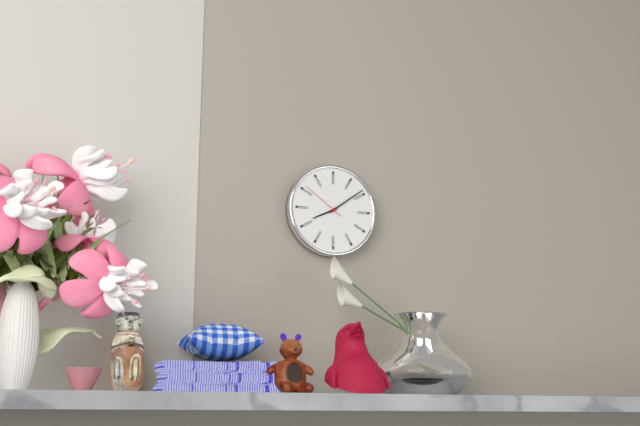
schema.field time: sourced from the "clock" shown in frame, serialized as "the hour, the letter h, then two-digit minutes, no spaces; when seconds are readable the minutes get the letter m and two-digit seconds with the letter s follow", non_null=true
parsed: 8h09
